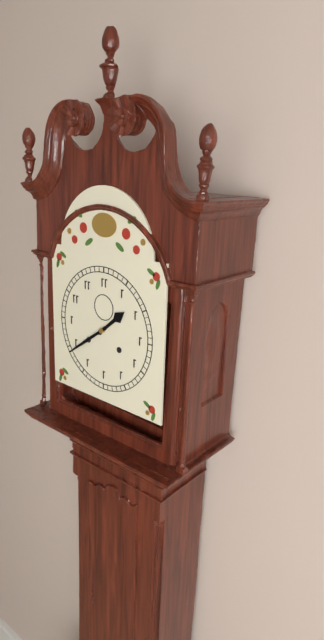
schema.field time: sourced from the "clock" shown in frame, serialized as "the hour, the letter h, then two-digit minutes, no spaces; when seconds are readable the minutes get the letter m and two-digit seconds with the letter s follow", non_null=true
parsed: 1h39
